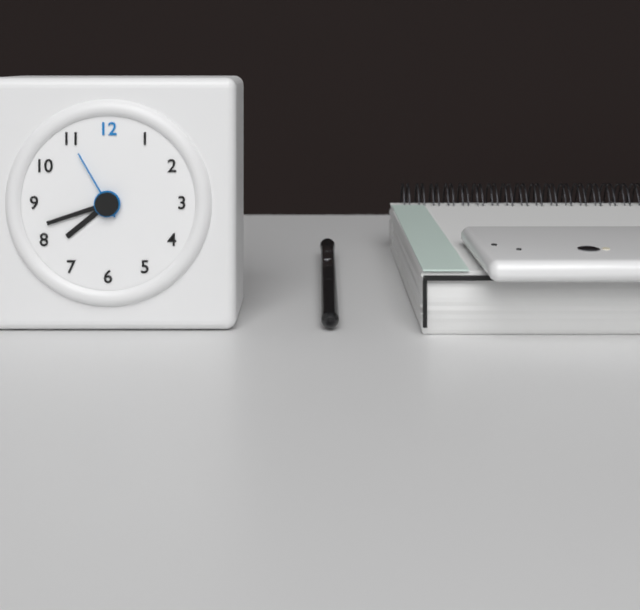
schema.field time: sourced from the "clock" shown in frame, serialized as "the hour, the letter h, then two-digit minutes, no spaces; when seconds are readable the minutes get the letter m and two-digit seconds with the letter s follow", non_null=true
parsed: 7h42m55s
